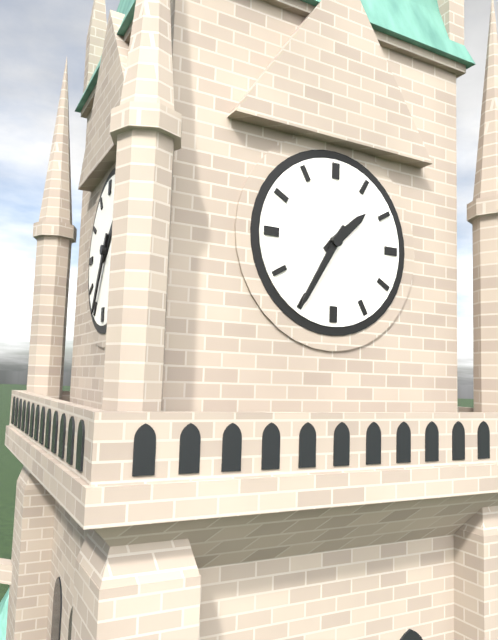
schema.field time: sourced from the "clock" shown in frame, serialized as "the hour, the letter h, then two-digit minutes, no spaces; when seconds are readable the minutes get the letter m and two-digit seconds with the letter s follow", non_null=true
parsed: 1h35
